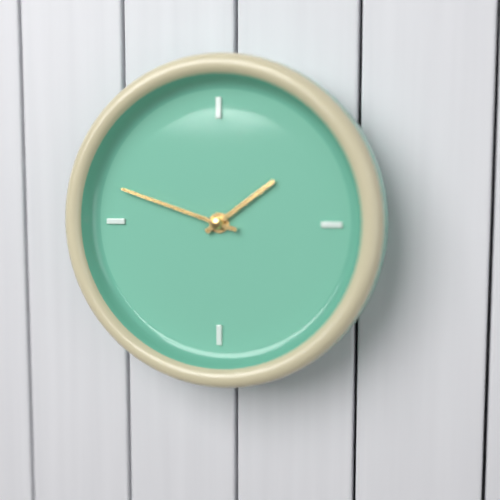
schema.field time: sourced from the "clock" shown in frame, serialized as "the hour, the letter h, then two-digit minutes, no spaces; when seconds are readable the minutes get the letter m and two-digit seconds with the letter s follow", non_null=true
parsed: 1h48
